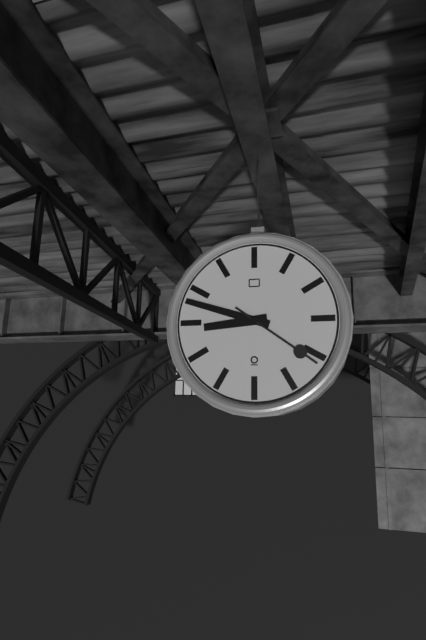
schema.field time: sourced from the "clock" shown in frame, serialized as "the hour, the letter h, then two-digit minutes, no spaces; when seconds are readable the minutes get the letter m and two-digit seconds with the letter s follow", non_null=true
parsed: 8h48m21s
